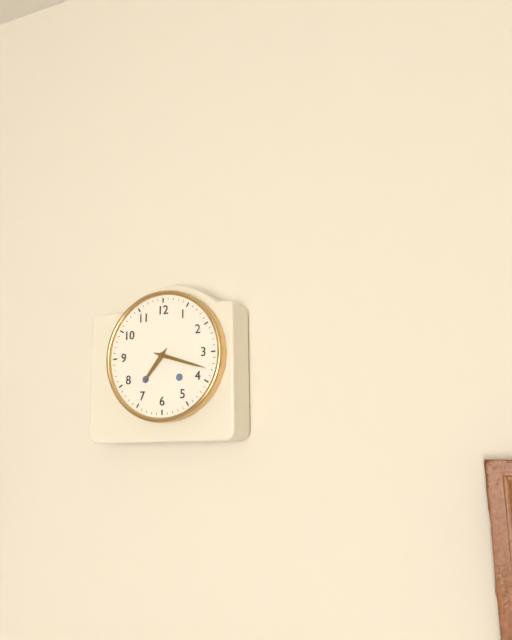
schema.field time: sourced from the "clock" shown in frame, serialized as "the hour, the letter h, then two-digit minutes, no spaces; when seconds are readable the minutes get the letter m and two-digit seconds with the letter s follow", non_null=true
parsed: 7h18
